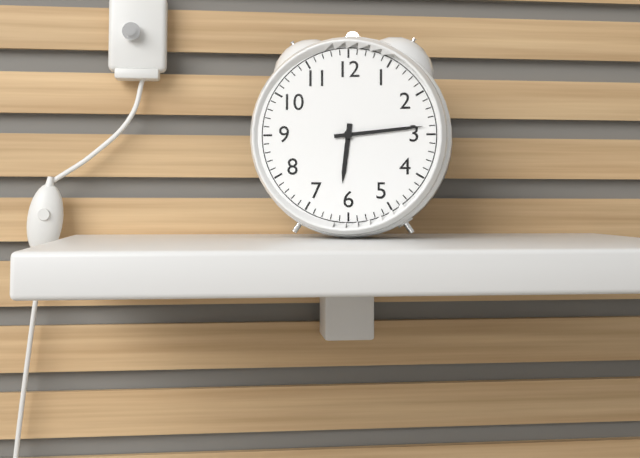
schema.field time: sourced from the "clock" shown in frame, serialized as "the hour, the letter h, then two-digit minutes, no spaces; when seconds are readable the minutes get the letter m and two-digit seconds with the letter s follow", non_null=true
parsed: 6h14
